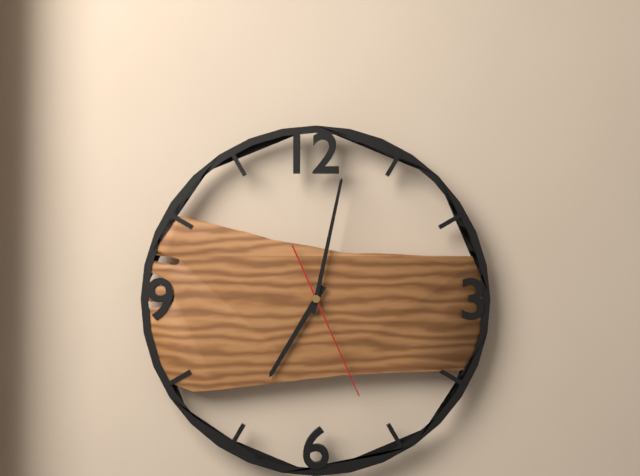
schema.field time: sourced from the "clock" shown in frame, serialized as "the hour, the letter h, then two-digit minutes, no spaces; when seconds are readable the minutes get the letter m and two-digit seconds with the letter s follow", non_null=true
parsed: 7h02m26s
